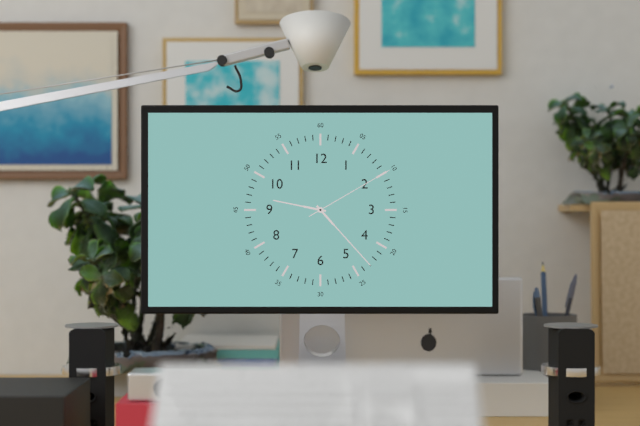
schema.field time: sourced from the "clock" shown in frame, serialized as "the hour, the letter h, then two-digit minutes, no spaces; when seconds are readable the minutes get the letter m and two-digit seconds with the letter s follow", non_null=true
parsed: 9h23m10s
